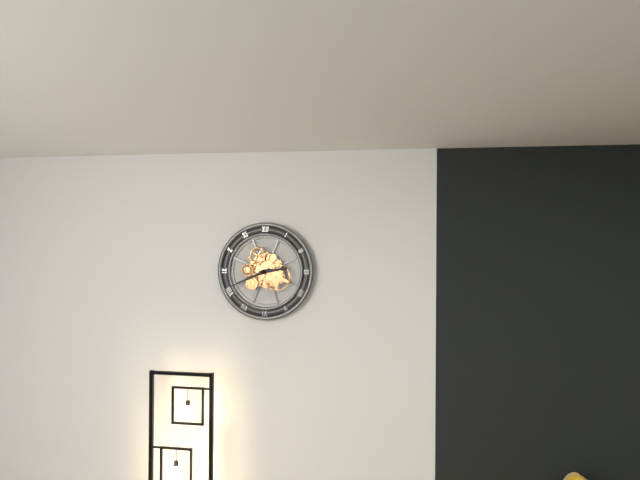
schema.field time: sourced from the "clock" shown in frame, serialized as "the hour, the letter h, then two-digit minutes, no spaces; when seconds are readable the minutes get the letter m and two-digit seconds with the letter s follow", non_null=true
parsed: 2h41
